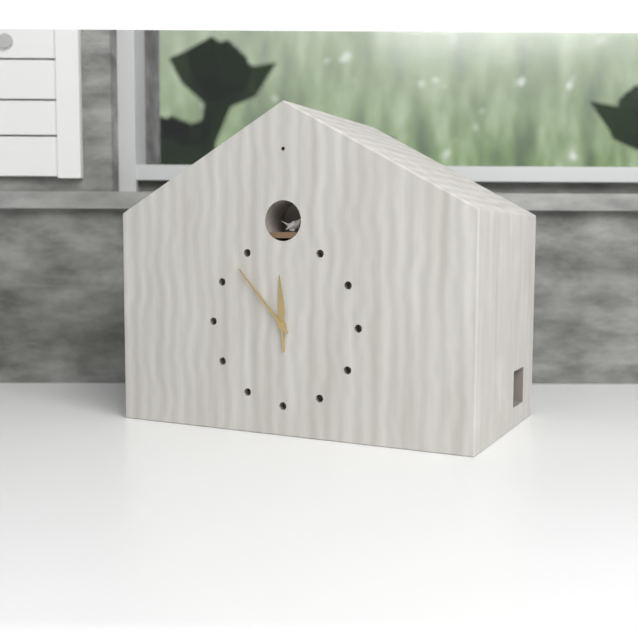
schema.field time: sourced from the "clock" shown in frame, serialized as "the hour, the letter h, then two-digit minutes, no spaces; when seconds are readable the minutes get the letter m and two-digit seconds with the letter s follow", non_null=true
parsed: 11h53
